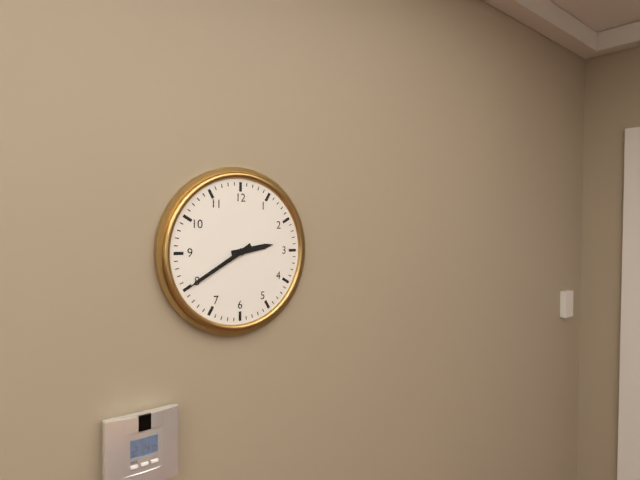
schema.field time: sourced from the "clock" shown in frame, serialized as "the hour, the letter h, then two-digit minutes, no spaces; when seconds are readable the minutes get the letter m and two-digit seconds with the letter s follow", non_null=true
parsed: 2h40
